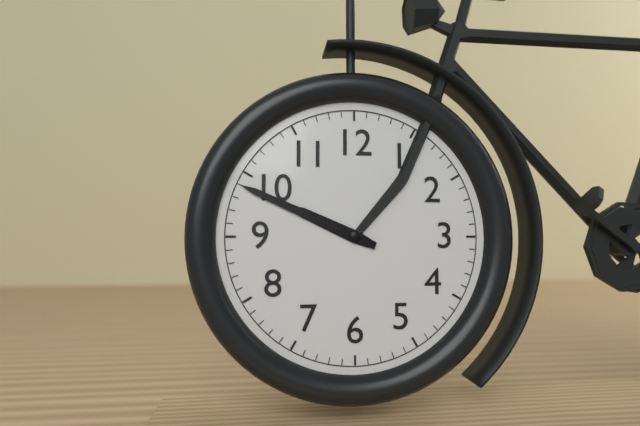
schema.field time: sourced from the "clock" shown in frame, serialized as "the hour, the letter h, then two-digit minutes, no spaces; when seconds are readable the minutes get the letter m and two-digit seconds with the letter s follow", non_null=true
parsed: 9h49
